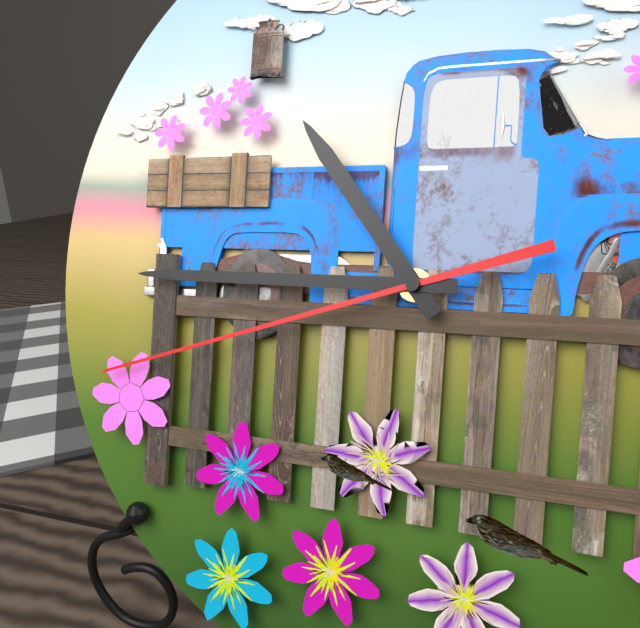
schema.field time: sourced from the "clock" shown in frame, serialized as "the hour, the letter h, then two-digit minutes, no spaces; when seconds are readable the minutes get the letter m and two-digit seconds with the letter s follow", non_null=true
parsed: 10h45m42s
